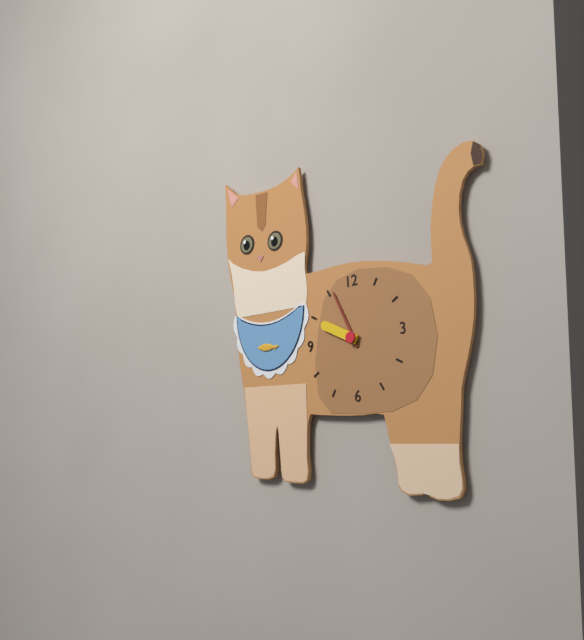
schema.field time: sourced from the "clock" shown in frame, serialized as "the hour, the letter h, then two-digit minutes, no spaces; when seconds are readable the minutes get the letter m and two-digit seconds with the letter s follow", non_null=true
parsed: 9h56
